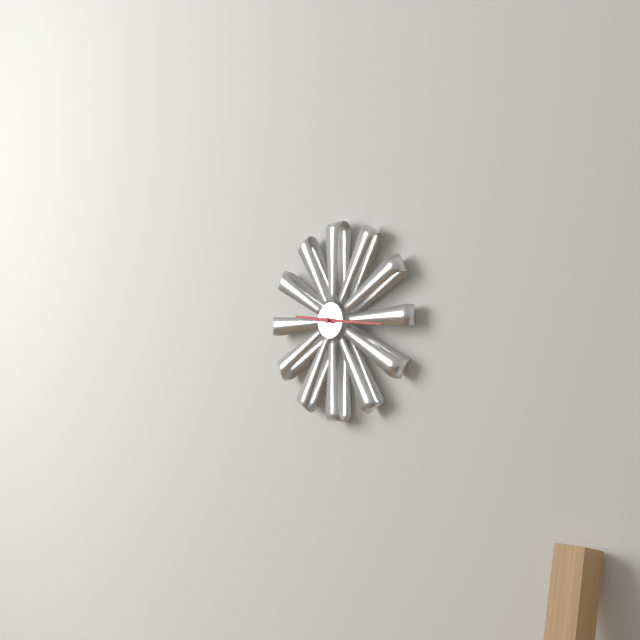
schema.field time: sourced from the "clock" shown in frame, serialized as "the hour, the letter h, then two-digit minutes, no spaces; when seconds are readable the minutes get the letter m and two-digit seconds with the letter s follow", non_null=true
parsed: 9h16
